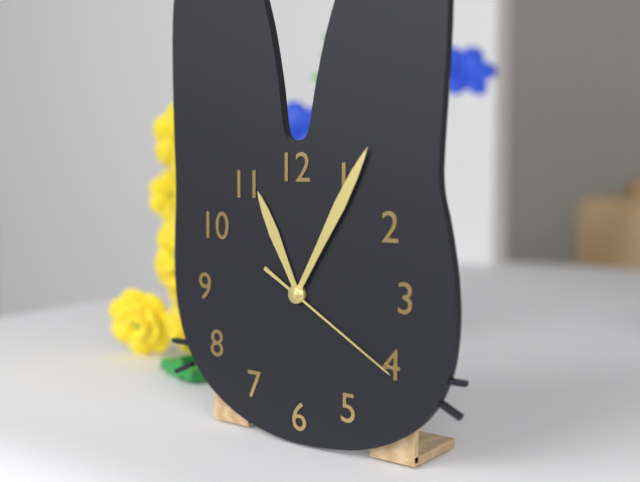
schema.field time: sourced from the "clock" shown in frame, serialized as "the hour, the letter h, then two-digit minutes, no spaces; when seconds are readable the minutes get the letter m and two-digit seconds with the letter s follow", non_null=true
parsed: 11h05m20s
